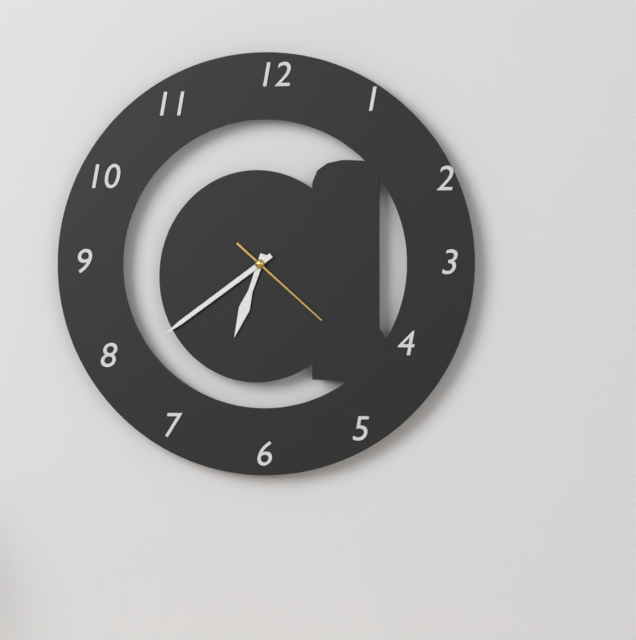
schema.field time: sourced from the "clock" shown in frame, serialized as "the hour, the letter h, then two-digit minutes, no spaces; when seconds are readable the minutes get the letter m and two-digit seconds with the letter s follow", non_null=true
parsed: 6h39m22s
